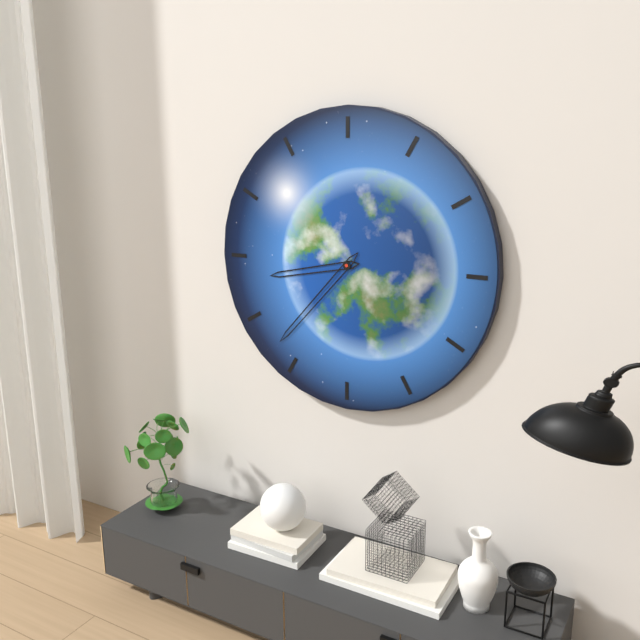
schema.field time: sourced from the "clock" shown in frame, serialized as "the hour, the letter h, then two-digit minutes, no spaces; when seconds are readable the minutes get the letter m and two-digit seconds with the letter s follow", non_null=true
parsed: 8h37
